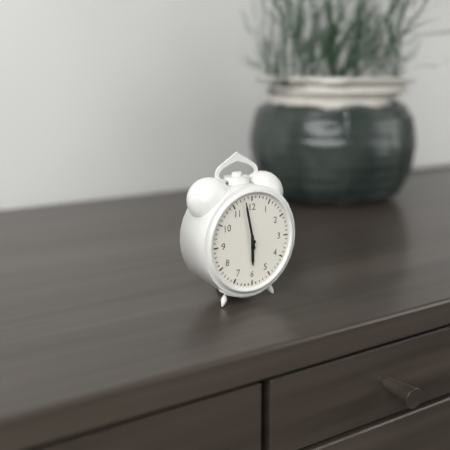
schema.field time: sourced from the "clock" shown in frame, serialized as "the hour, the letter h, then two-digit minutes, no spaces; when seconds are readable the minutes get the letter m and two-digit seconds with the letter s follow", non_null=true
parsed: 5h58
